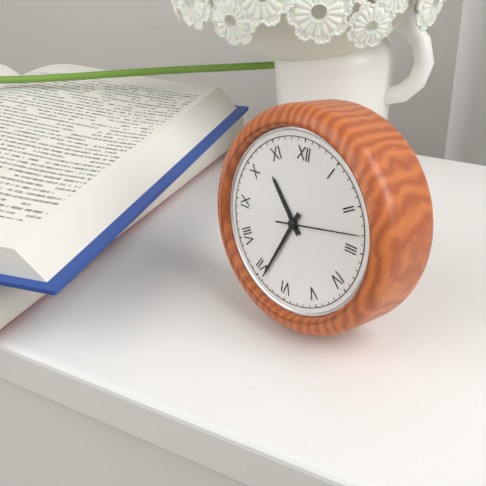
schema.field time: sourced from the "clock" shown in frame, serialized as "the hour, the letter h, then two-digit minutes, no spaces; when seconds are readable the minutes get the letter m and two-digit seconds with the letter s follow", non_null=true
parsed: 10h34m13s
